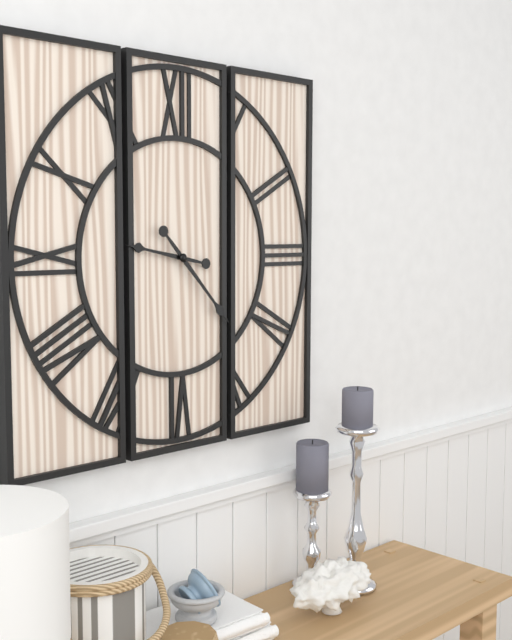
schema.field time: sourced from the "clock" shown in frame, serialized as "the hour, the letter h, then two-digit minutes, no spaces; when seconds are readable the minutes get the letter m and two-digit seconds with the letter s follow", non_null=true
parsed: 9h23
